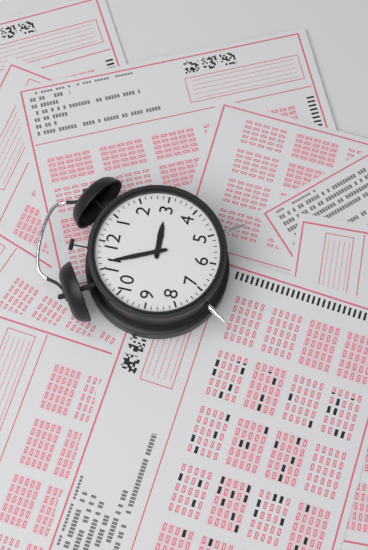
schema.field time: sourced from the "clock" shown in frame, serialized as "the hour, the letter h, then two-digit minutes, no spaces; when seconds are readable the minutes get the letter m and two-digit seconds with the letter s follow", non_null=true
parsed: 2h56
